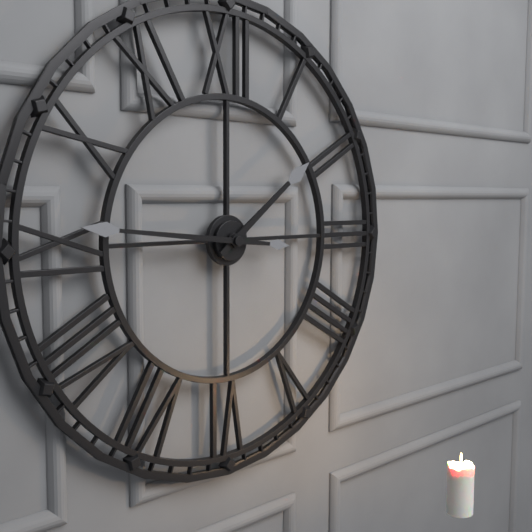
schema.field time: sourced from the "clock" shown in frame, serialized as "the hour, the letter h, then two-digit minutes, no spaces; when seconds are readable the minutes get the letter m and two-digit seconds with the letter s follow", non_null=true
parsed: 1h46
